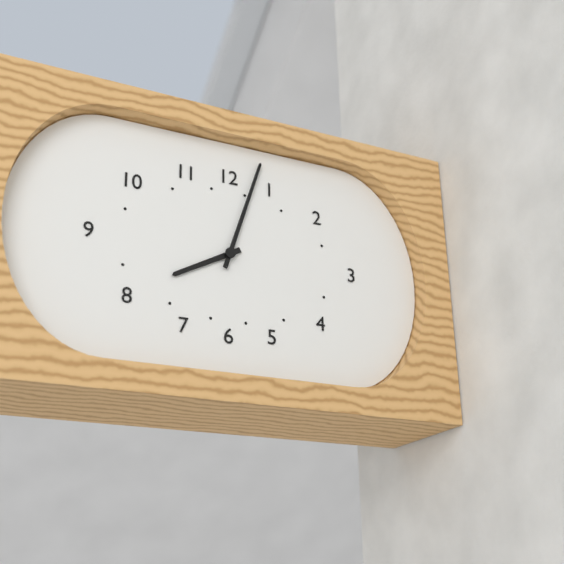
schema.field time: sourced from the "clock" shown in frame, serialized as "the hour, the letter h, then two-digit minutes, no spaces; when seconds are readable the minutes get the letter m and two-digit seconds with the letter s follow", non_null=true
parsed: 8h03
